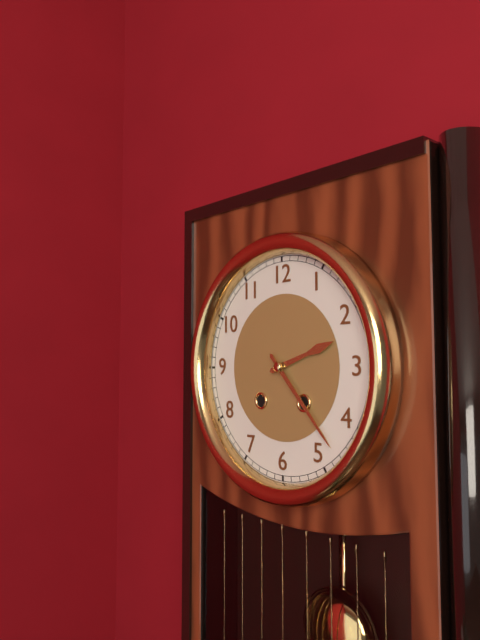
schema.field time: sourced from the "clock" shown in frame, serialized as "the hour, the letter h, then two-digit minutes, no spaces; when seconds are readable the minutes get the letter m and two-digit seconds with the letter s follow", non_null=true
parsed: 2h23
